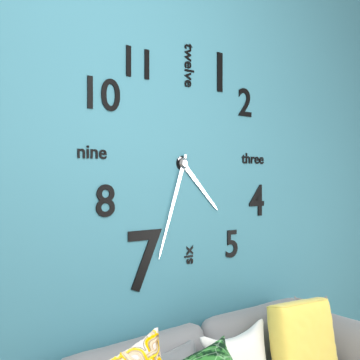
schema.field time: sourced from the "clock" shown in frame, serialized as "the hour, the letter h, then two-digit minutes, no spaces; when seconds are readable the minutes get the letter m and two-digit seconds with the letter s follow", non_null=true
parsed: 4h33
